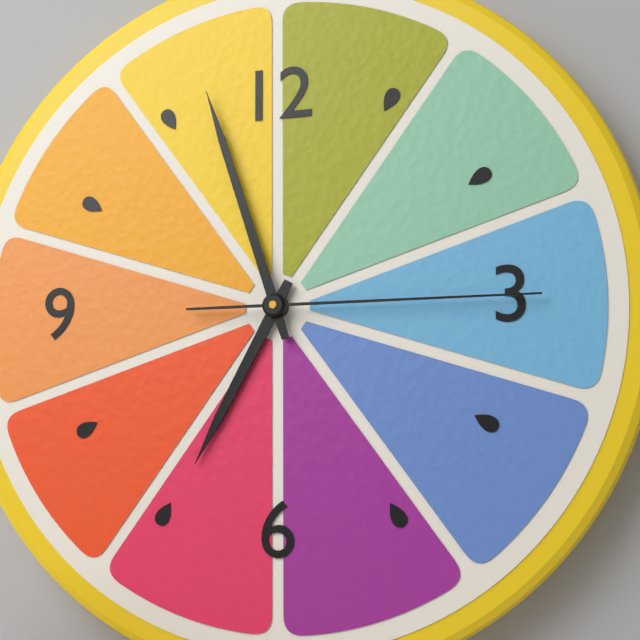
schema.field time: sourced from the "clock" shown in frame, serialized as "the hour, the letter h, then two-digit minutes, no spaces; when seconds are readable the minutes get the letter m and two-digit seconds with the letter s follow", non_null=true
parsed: 6h57m15s
